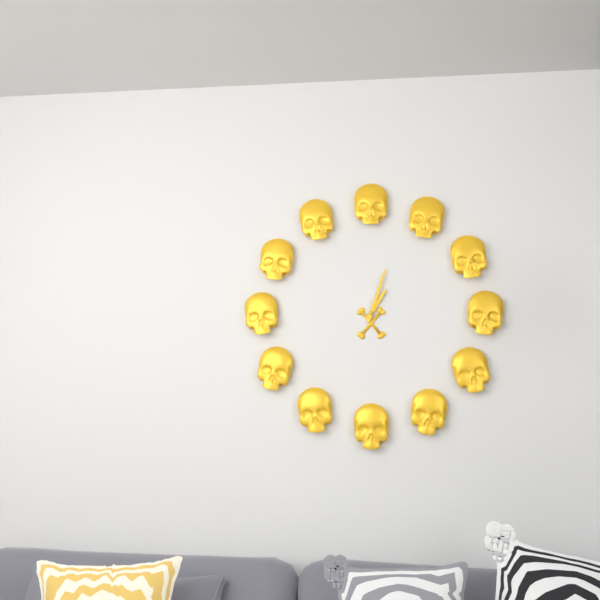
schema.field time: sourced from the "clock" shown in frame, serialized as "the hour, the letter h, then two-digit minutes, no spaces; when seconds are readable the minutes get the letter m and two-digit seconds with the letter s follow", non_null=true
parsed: 1h03
